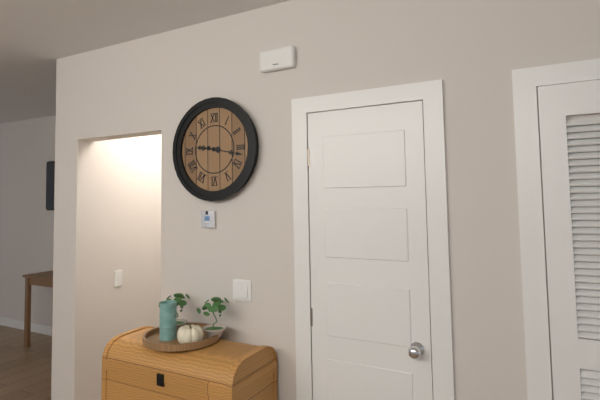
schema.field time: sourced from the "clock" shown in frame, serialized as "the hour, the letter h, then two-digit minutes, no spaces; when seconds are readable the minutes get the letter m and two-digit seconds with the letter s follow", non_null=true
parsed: 9h17
